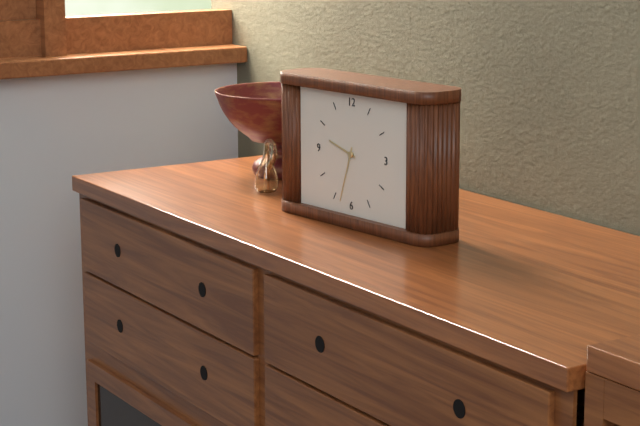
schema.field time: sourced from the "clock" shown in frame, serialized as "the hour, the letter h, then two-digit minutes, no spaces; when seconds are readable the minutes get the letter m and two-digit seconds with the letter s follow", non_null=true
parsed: 9h33
